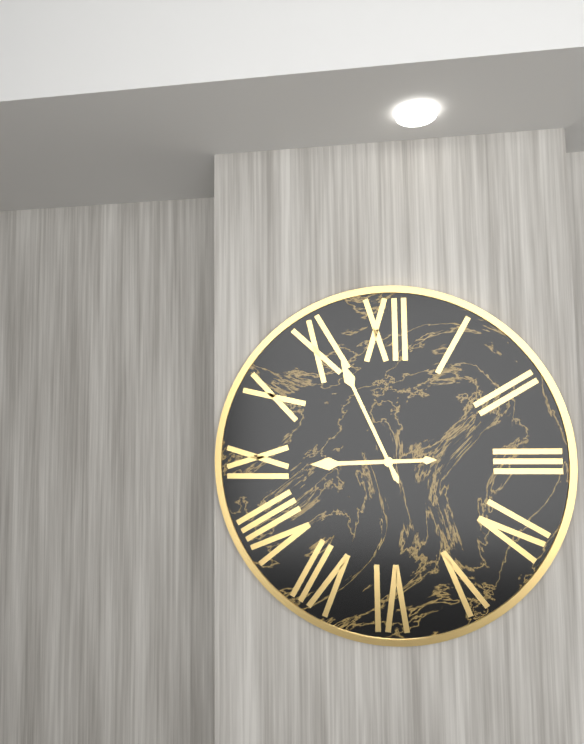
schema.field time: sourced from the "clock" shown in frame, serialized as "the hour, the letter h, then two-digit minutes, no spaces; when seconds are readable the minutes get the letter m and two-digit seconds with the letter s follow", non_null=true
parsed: 8h56
